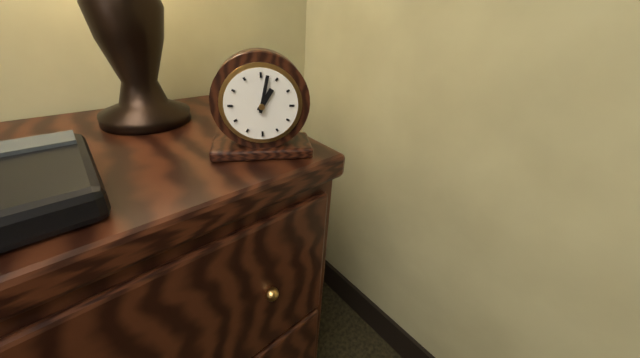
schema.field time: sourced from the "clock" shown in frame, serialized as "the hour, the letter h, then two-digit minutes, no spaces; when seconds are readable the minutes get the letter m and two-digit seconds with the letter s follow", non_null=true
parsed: 1h02
